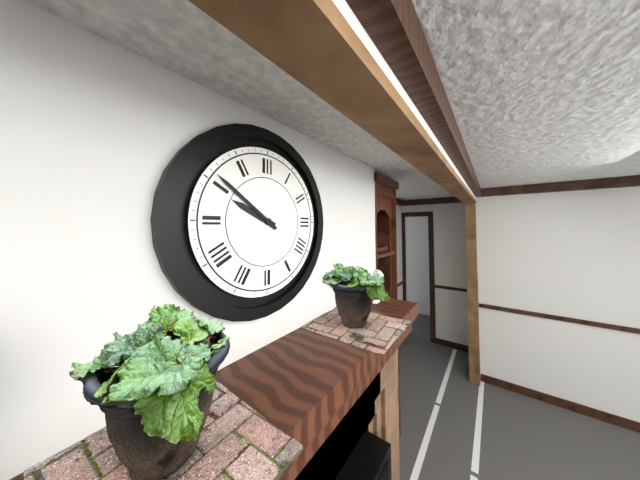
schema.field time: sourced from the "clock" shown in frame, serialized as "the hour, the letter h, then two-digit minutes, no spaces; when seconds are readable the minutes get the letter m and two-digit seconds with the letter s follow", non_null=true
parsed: 9h51
